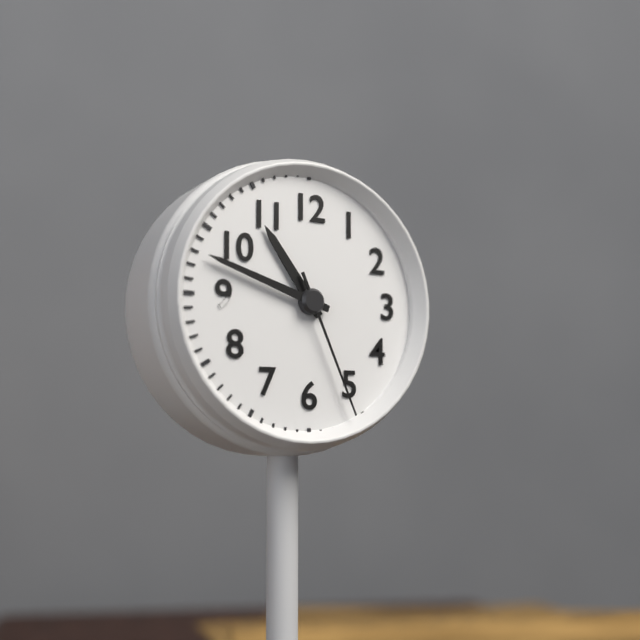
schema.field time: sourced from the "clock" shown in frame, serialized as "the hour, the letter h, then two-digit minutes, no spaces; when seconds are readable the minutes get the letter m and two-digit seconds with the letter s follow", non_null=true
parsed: 10h48m26s
